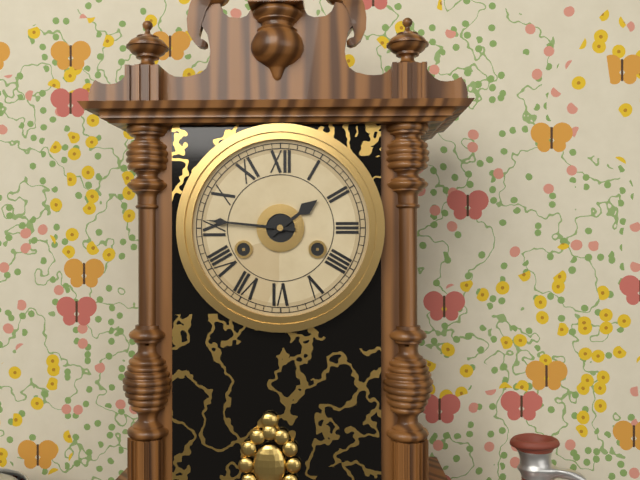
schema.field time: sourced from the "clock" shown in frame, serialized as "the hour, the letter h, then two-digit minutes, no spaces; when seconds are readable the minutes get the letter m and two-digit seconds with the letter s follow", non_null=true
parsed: 1h46
